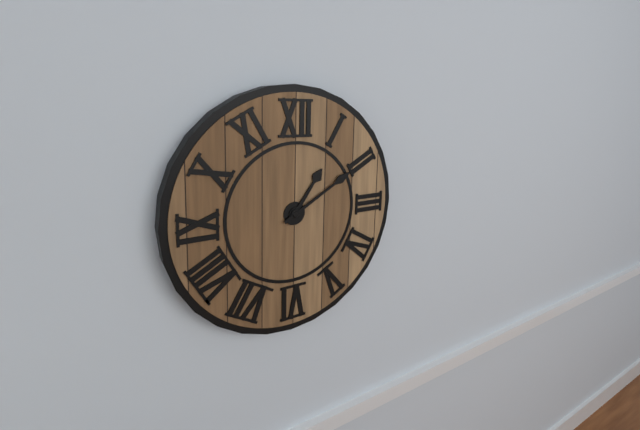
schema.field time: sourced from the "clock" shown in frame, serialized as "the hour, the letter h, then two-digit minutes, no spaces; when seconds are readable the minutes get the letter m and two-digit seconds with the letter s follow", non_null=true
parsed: 1h10
